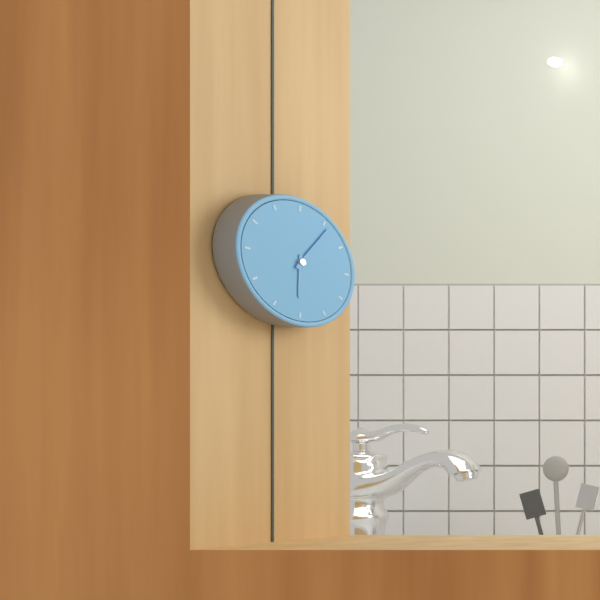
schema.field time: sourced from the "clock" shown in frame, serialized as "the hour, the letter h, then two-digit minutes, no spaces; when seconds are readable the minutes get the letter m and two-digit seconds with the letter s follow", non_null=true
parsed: 6h06
